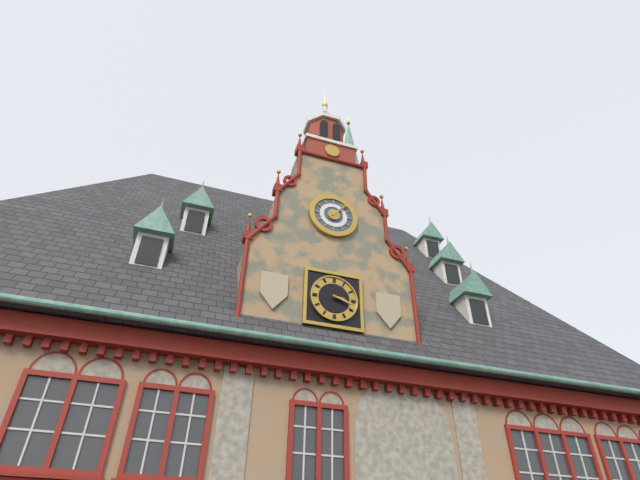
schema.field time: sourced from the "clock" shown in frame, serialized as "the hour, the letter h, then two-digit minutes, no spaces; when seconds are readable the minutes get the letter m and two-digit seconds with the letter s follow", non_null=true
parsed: 3h18
